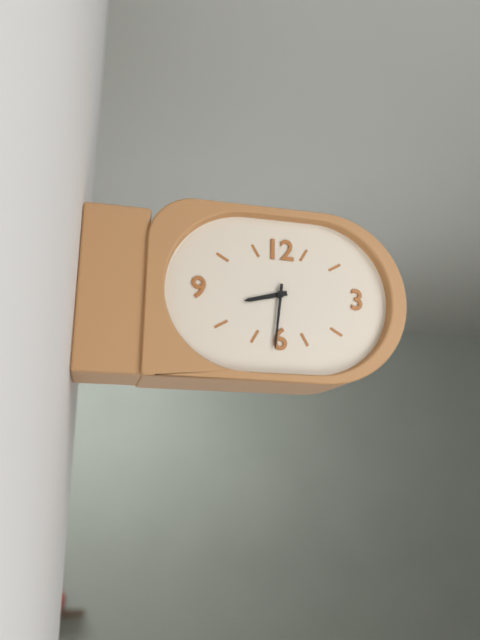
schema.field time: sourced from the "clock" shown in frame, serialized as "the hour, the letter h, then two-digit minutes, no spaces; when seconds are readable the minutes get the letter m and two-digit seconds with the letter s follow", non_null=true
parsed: 8h31
